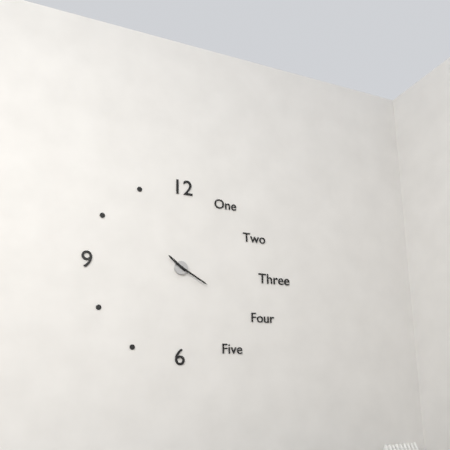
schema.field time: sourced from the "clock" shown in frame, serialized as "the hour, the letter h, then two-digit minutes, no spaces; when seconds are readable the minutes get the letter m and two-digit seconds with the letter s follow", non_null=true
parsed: 10h20
